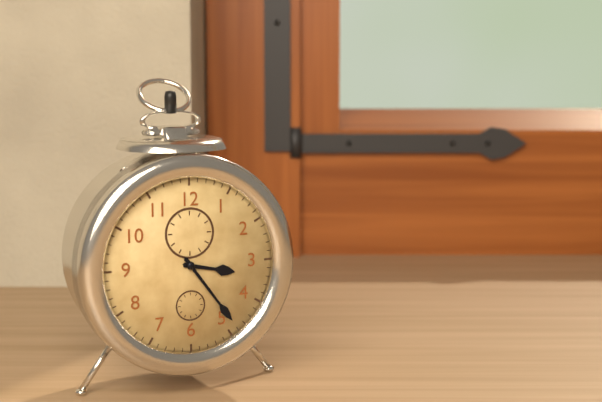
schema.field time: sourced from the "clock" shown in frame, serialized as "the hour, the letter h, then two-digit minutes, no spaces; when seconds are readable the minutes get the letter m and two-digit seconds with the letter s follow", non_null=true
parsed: 3h24
